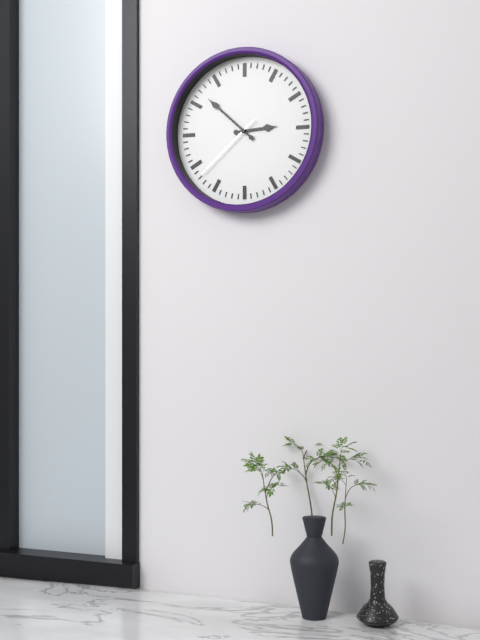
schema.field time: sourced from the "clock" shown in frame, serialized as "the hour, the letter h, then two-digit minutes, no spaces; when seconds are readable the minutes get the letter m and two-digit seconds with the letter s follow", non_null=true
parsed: 2h52m38s
